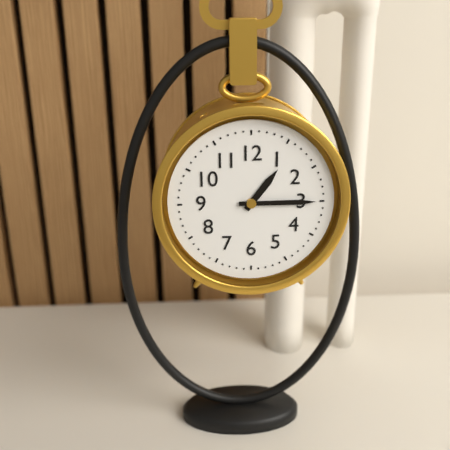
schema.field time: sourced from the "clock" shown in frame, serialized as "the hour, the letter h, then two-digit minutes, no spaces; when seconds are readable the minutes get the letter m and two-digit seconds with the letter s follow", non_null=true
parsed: 1h15
